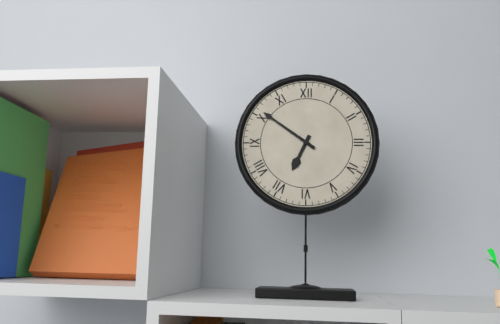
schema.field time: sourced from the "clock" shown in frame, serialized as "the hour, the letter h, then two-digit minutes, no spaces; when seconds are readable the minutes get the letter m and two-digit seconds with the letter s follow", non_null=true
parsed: 6h51
